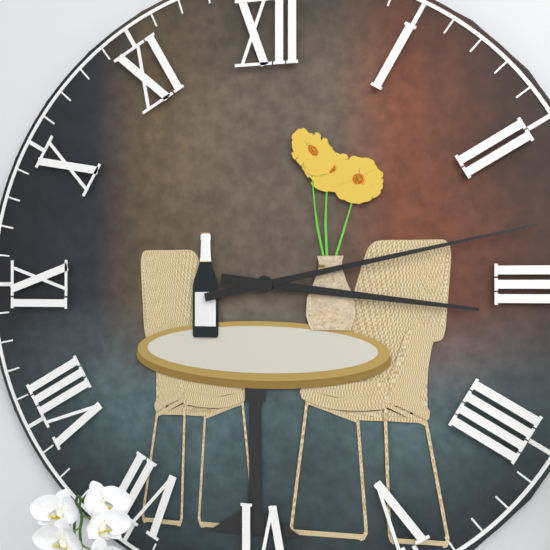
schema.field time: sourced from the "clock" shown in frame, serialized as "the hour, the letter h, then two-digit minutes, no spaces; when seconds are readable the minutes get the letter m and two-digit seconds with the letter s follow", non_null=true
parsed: 3h13
